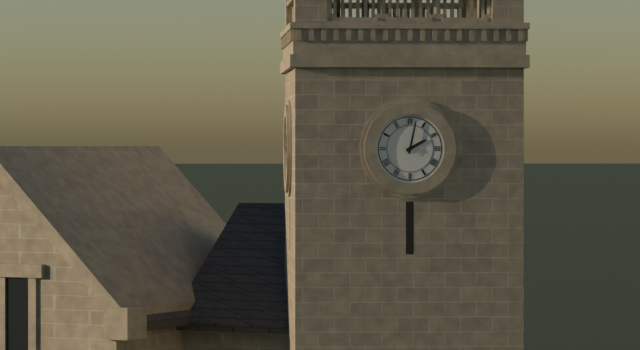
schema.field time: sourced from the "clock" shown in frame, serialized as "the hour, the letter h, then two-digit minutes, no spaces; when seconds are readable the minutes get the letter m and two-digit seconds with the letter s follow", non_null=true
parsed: 2h02
